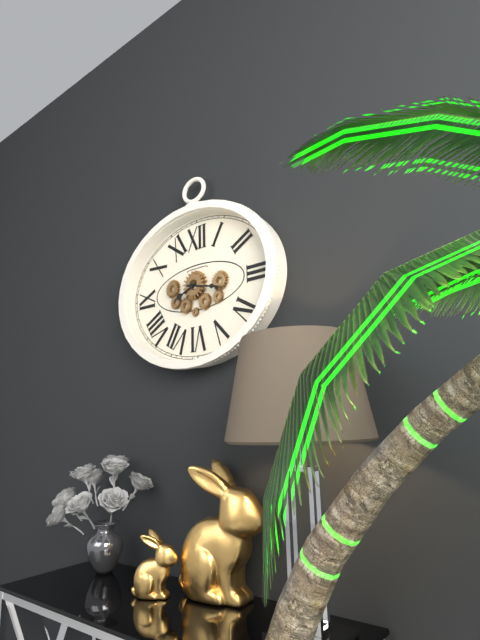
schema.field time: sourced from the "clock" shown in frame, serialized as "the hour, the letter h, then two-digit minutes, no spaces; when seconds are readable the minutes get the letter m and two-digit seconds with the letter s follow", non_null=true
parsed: 8h17
